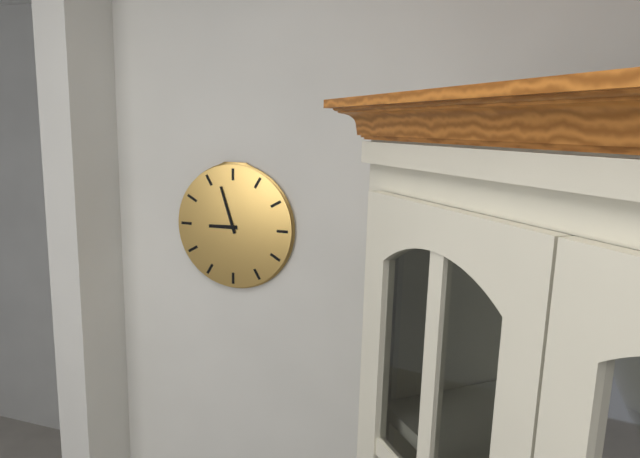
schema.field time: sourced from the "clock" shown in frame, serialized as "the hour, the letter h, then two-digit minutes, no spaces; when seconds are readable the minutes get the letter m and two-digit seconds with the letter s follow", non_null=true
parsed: 8h57
